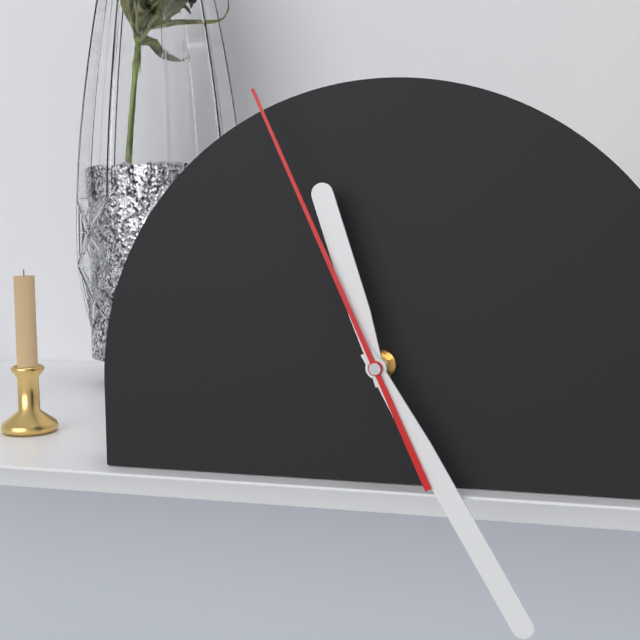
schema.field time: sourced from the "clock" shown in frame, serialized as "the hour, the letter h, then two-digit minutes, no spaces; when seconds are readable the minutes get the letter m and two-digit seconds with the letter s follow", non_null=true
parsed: 11h25m56s
